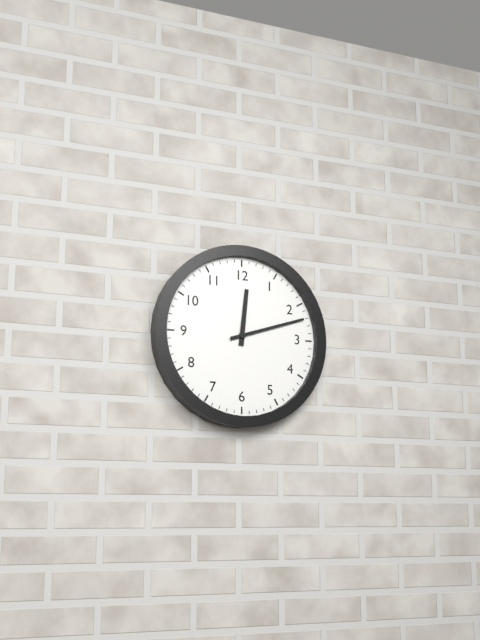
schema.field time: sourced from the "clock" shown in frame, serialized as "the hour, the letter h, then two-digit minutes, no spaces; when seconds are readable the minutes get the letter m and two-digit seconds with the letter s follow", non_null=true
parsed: 12h12
